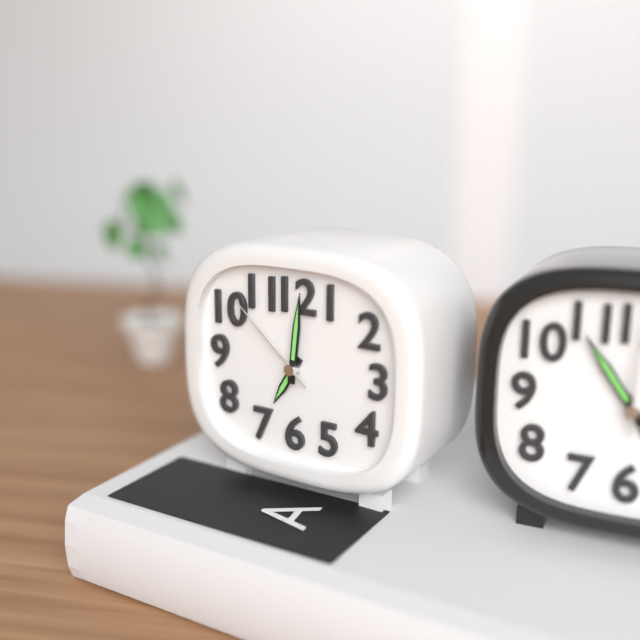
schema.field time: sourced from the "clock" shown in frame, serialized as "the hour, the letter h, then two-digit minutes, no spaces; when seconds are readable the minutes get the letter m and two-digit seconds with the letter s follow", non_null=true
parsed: 7h01m52s
